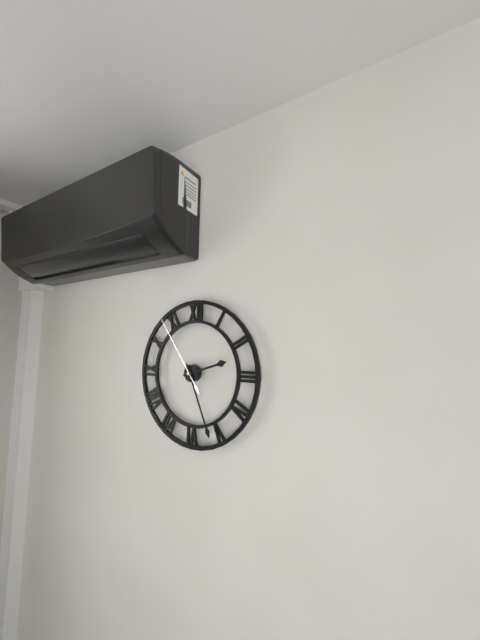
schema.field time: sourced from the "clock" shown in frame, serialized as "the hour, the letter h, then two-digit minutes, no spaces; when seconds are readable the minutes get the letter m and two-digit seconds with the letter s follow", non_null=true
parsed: 2h26m54s
